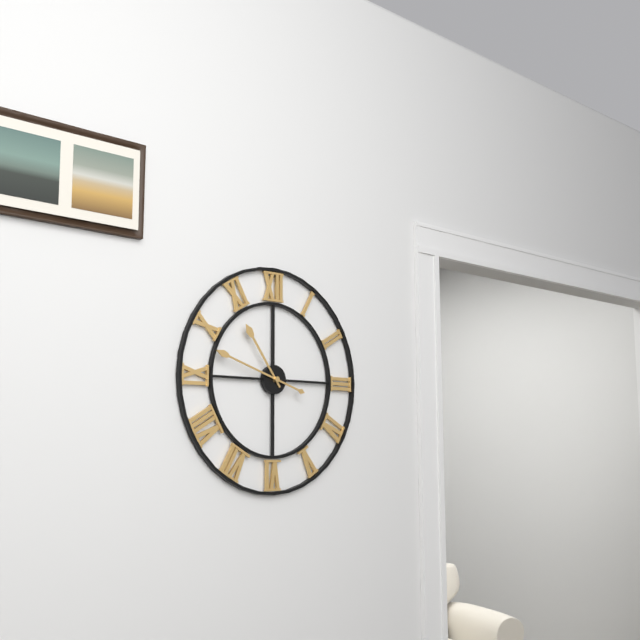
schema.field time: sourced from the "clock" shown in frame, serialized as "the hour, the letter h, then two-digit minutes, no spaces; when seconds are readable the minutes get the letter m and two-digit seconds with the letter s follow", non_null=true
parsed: 10h48
